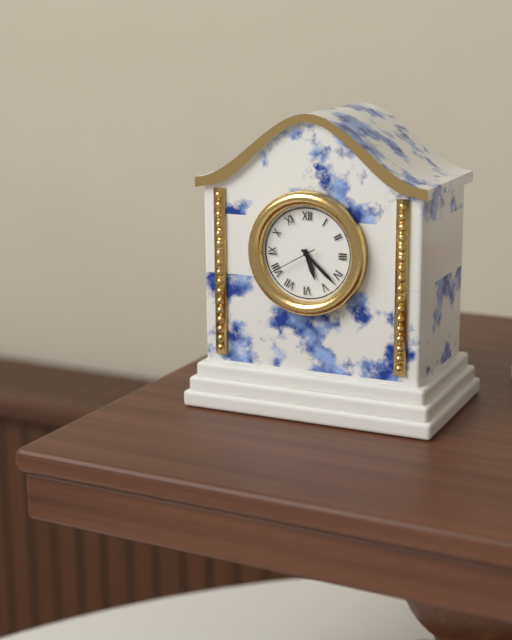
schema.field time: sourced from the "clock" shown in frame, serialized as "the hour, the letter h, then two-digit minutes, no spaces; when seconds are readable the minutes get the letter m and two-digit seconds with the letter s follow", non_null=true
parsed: 5h22m40s
